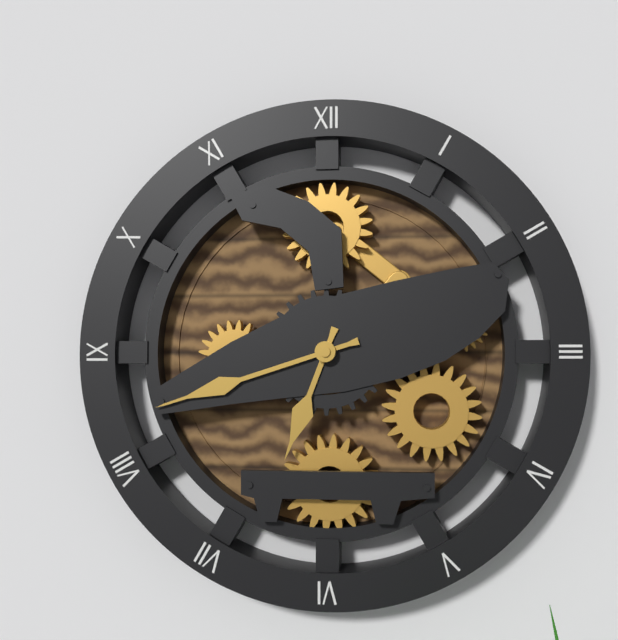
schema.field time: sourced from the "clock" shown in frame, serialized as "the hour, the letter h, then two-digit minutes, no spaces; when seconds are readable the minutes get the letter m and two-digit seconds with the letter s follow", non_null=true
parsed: 6h42
